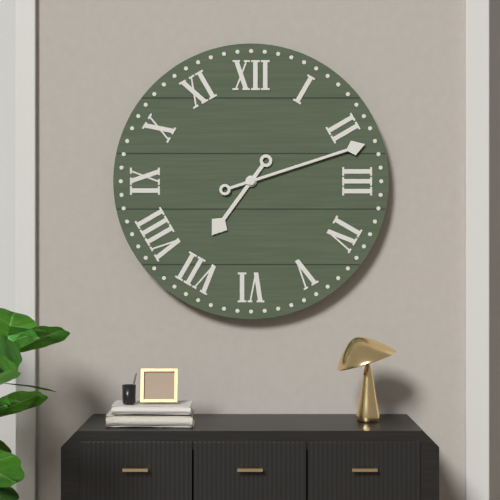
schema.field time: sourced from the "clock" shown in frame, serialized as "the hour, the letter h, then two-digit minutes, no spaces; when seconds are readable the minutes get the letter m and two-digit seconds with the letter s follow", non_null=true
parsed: 7h12
